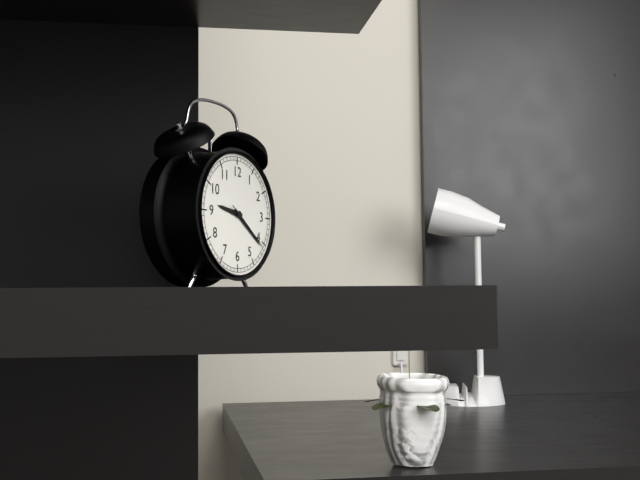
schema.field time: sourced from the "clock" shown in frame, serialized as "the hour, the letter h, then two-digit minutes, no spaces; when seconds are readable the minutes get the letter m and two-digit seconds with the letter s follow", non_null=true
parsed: 9h21m21s
